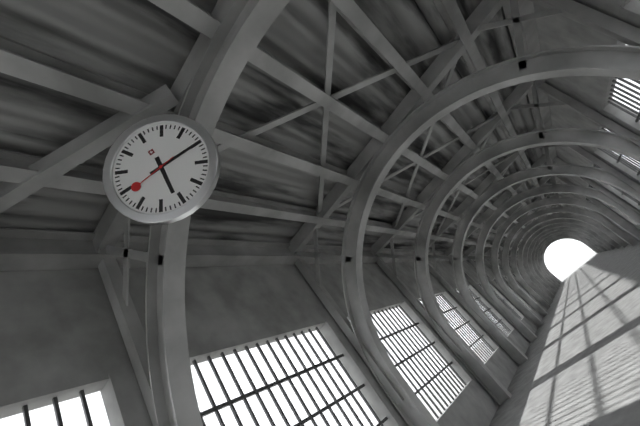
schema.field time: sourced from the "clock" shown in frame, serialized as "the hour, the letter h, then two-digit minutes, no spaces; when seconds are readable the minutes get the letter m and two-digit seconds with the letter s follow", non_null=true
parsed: 6h15
